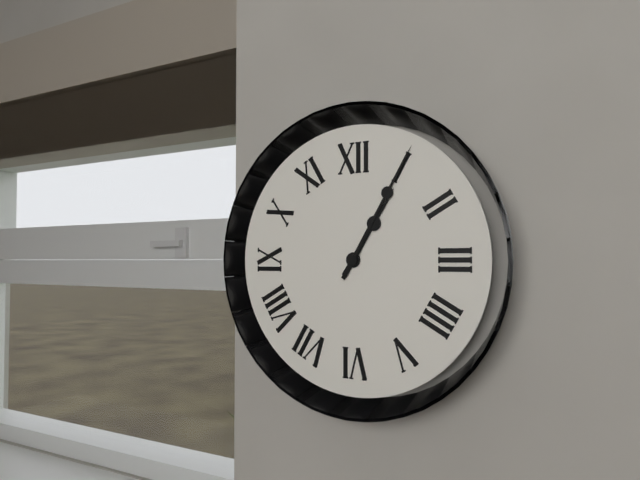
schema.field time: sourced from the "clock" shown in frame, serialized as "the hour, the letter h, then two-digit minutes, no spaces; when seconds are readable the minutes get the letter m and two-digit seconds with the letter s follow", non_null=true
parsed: 1h05
